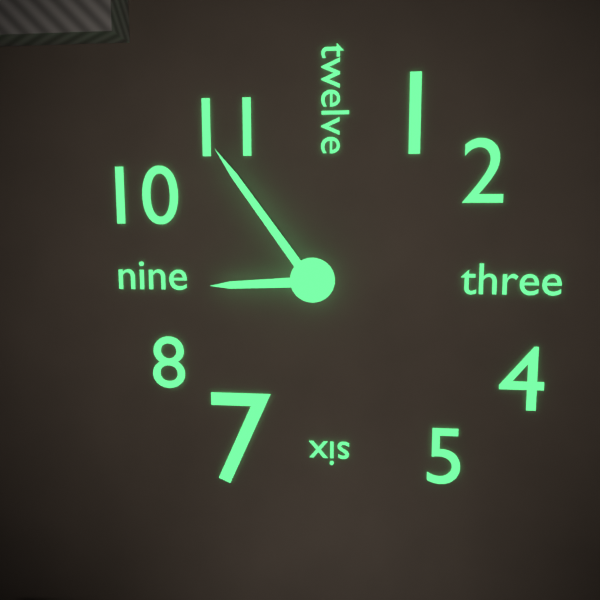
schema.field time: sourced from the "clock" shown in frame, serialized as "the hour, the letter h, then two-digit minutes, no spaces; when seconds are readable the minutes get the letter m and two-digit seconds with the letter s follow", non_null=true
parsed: 8h54
